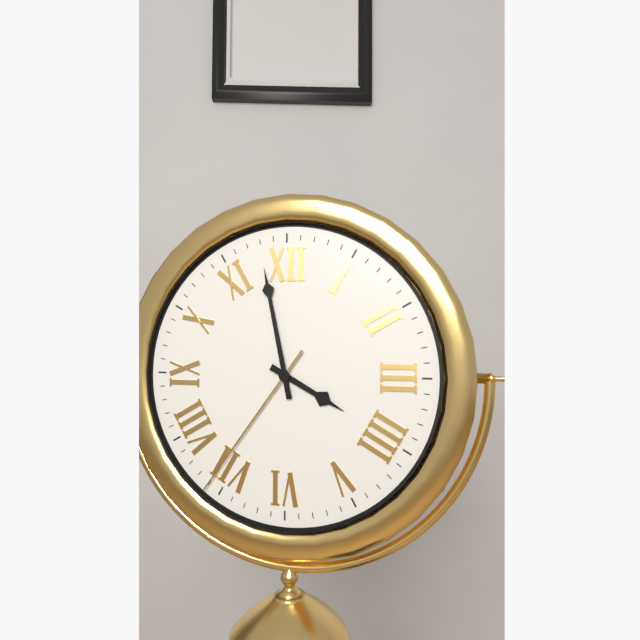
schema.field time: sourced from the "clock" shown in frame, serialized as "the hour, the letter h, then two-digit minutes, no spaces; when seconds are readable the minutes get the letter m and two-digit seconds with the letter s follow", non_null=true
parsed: 3h58m36s
